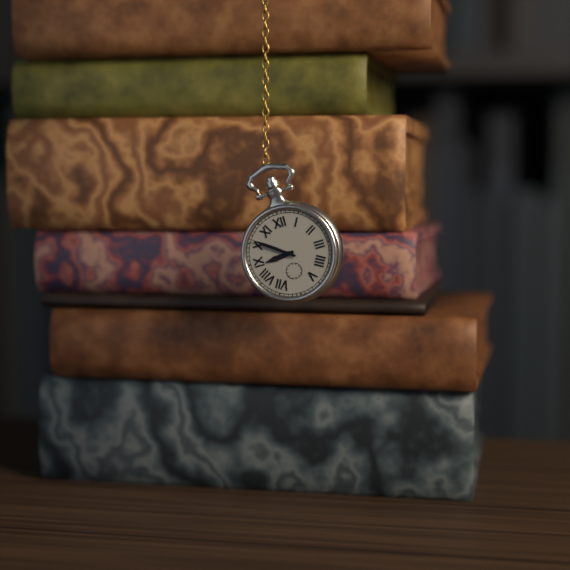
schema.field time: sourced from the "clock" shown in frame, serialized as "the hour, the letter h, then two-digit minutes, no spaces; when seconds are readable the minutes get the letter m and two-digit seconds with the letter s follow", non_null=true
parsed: 8h51
